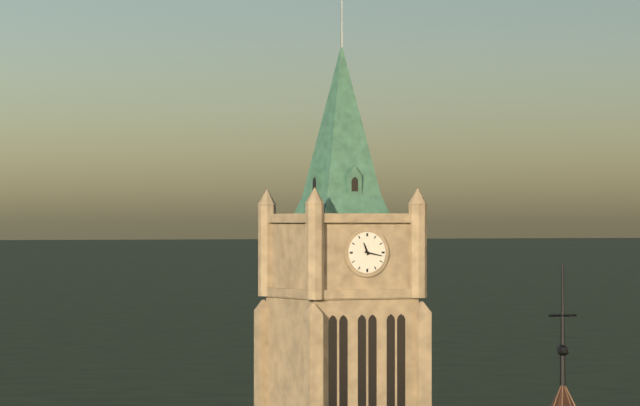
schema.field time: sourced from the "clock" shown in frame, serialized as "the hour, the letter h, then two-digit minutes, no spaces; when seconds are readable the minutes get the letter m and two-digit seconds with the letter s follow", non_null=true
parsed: 11h17
